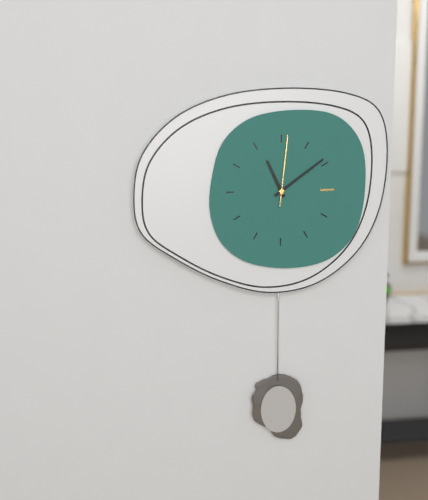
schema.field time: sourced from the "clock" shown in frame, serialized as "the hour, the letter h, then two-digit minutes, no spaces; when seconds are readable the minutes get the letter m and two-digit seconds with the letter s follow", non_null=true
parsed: 11h09m01s
